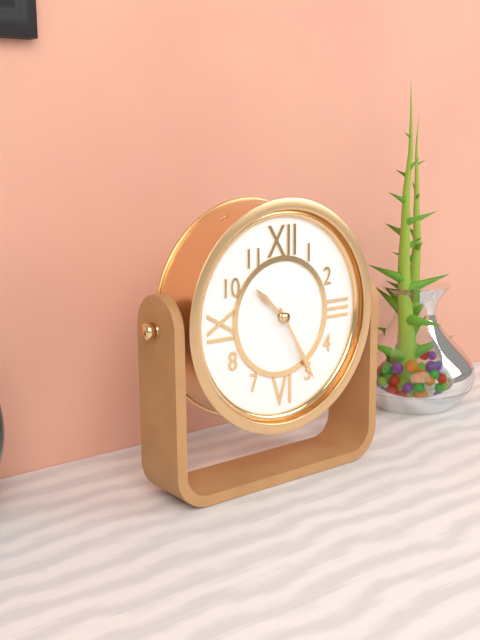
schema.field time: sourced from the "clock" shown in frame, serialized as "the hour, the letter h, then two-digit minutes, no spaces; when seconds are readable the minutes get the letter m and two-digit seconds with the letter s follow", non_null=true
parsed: 10h25
